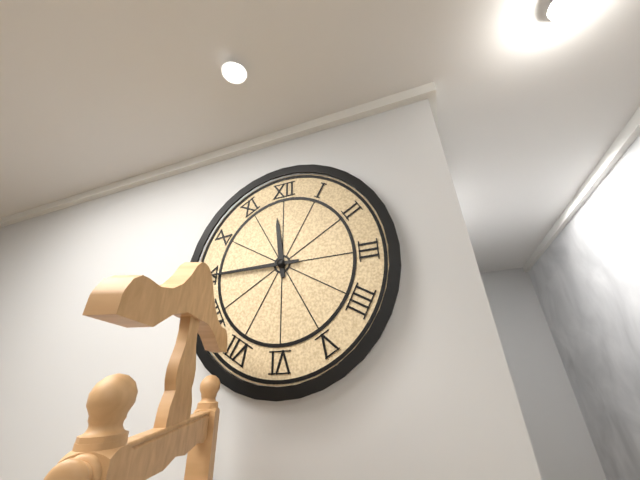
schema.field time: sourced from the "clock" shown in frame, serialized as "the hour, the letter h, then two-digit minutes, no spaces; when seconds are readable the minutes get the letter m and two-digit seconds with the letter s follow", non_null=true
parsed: 11h45
